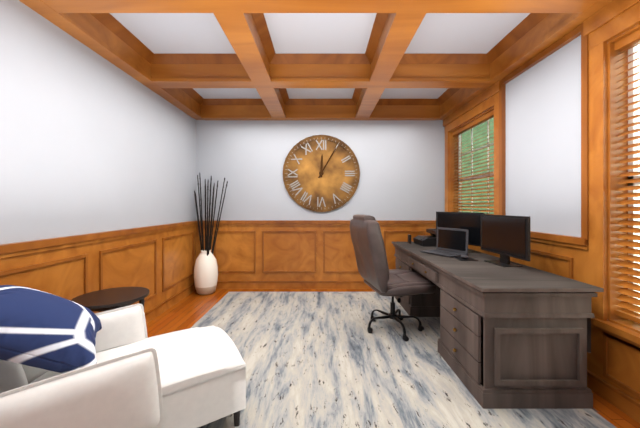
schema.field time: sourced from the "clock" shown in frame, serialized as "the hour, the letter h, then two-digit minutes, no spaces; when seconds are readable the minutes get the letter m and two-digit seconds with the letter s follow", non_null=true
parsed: 12h05
